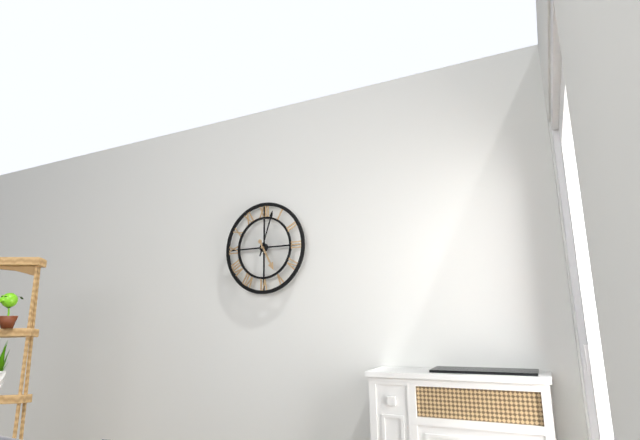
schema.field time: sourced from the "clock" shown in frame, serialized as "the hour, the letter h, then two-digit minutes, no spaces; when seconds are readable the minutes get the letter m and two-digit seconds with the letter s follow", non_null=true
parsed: 5h03
